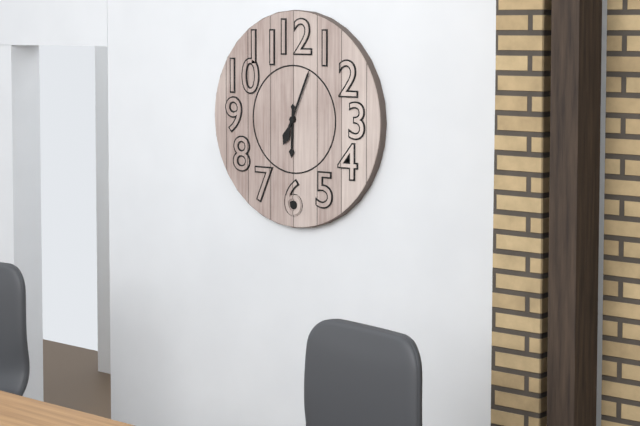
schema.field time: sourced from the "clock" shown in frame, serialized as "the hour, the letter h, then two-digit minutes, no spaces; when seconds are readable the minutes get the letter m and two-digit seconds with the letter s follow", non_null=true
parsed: 6h04
